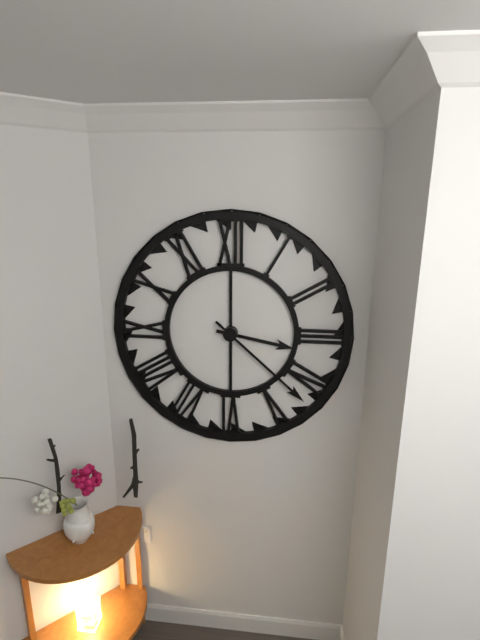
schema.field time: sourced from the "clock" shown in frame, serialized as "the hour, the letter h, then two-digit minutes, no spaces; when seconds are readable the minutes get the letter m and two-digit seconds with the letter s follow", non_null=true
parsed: 3h22
